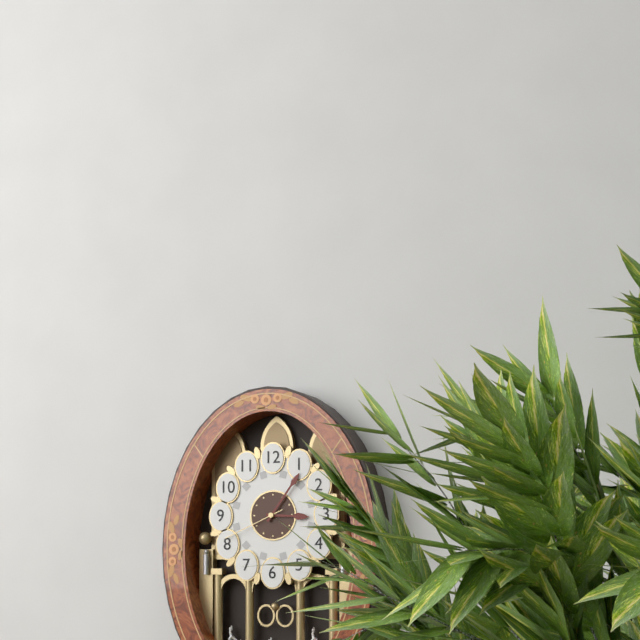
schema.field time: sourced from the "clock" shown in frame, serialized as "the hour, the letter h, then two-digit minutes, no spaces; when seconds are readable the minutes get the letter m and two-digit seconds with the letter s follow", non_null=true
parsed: 3h06m41s
